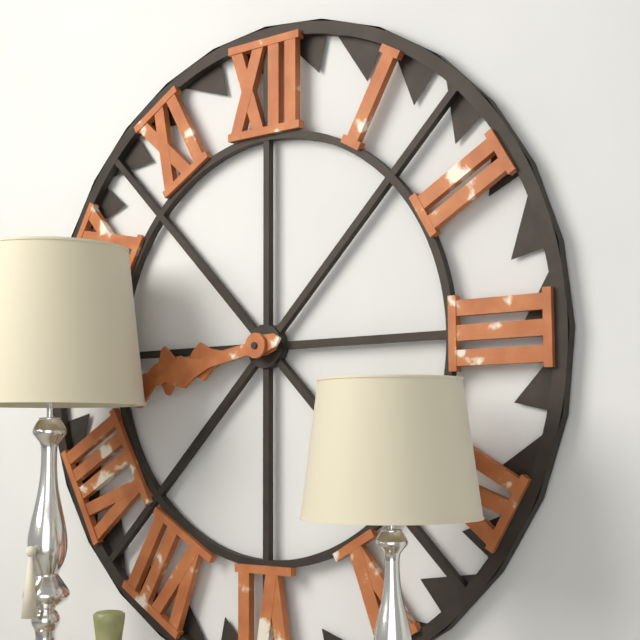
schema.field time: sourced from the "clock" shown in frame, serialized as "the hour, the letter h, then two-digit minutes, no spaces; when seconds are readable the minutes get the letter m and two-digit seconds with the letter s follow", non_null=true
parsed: 8h43
